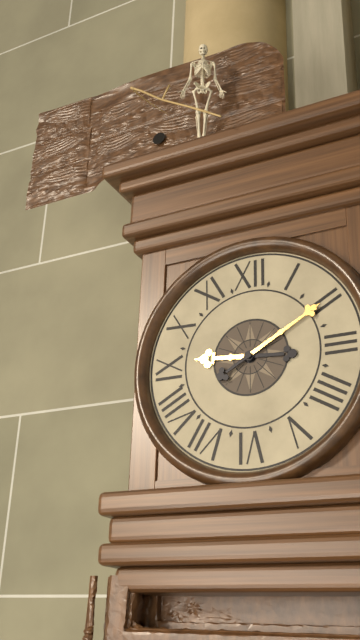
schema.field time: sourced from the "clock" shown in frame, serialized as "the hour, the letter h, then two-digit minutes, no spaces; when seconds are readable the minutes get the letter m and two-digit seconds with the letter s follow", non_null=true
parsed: 9h10
